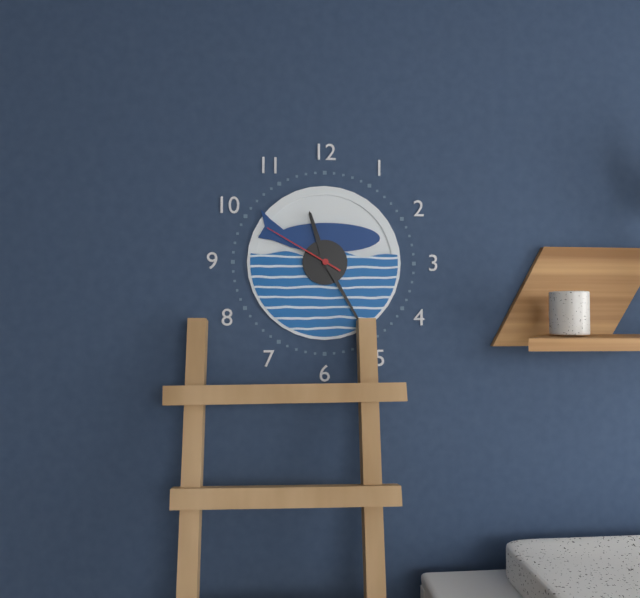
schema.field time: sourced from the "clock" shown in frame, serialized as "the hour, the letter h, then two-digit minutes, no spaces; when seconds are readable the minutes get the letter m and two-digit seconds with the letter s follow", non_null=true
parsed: 11h25m50s
